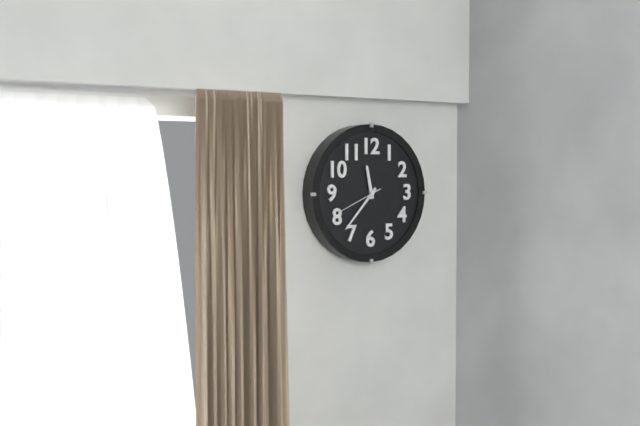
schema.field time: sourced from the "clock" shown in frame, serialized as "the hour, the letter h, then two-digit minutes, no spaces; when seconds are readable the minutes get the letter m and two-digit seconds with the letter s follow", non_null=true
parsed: 11h37
